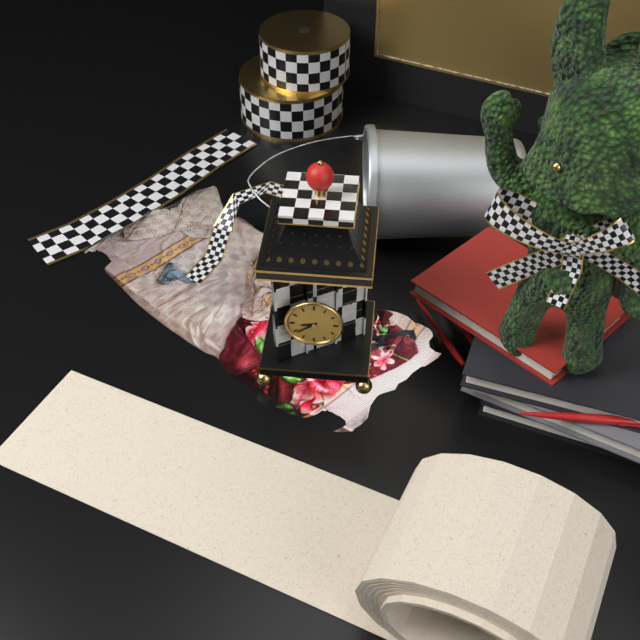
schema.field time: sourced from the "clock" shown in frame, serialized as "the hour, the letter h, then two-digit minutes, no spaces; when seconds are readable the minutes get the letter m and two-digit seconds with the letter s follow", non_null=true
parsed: 8h39
